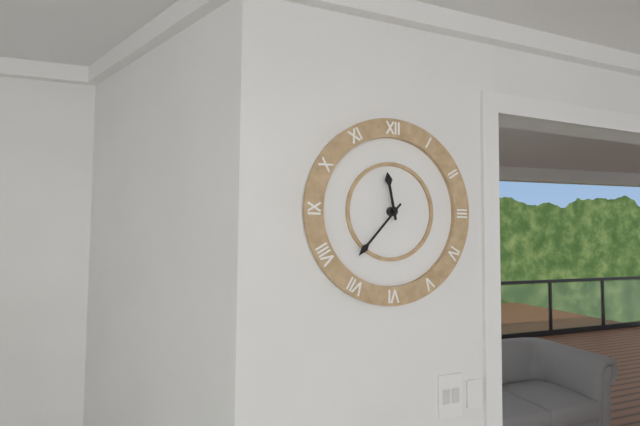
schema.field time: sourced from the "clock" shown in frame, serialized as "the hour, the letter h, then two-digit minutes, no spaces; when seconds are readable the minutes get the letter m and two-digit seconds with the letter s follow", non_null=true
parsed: 11h37
